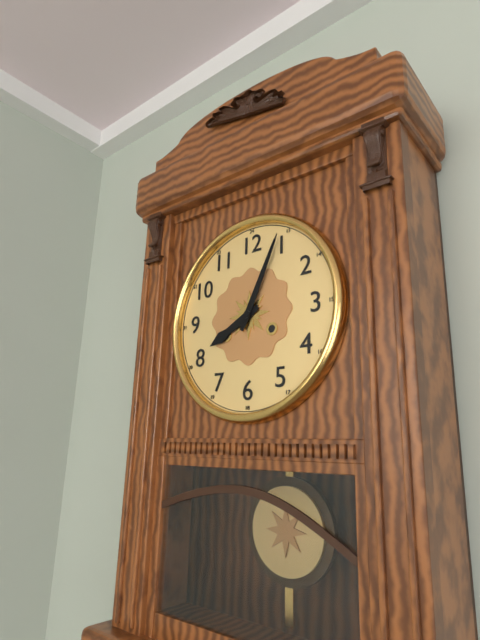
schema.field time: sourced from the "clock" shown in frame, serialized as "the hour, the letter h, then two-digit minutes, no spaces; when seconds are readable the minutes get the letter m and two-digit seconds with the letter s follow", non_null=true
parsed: 8h04
